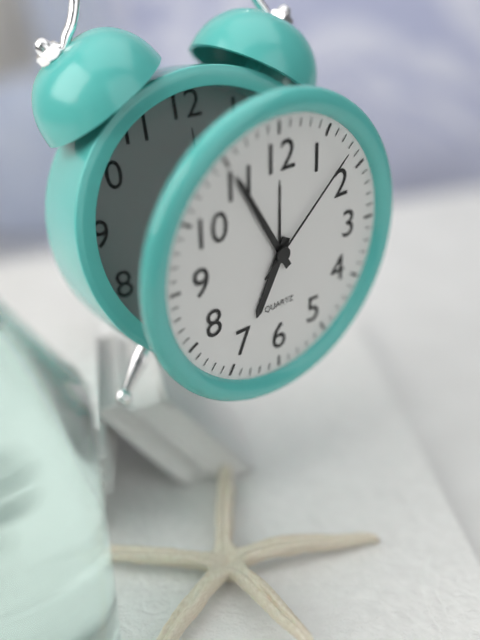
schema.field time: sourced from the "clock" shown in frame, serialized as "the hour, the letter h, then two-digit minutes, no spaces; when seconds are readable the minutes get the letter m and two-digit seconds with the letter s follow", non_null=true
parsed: 6h55m08s
